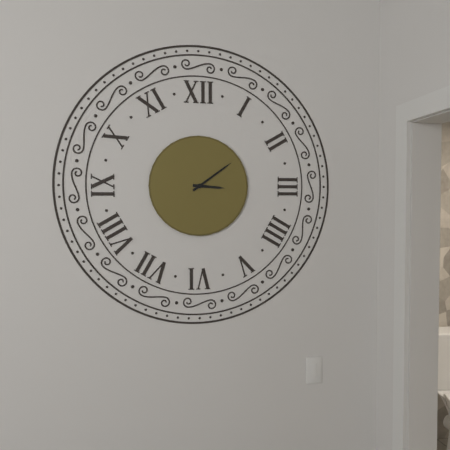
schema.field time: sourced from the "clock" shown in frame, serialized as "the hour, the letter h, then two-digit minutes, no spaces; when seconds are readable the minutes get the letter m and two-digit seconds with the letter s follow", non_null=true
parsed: 3h09
